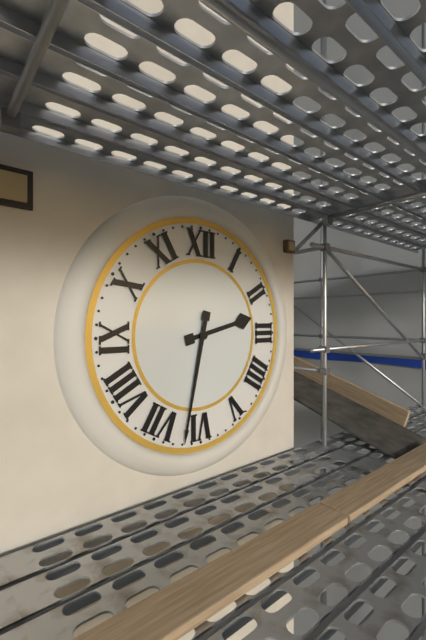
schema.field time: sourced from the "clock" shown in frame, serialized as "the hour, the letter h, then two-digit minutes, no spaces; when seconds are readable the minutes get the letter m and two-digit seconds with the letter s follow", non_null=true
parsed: 2h32
